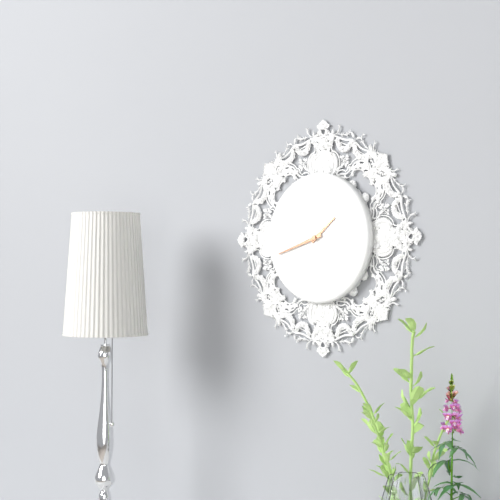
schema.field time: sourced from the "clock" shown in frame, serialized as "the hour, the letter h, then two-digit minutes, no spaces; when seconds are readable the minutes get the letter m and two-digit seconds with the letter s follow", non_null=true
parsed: 1h42
